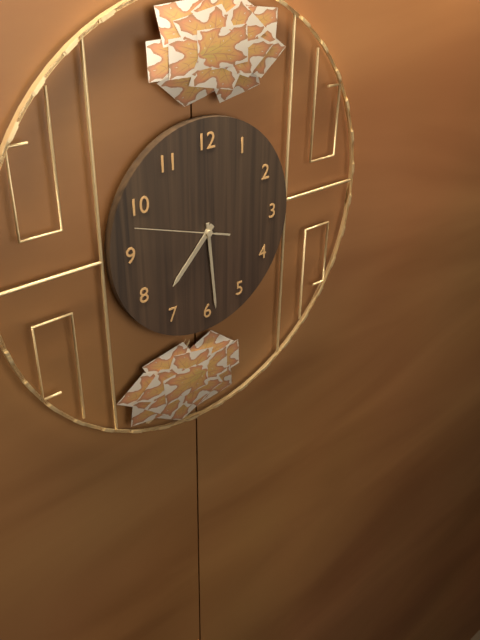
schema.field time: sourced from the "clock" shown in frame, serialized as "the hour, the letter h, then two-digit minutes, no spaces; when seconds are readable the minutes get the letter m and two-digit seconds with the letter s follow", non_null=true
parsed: 7h29m48s
